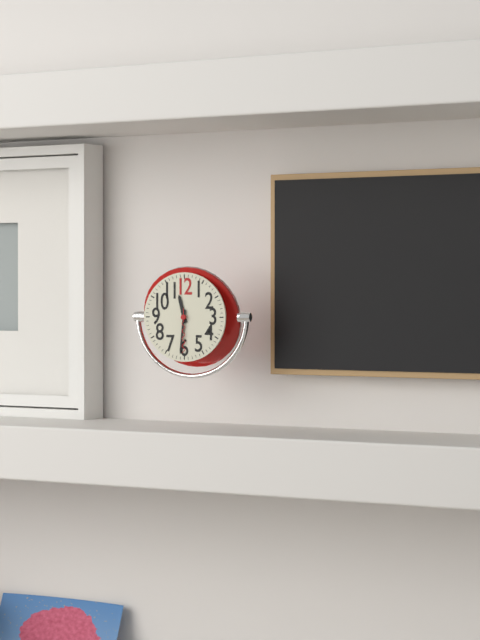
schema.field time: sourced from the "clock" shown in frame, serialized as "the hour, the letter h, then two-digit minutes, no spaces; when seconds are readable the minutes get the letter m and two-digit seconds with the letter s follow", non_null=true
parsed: 11h31
